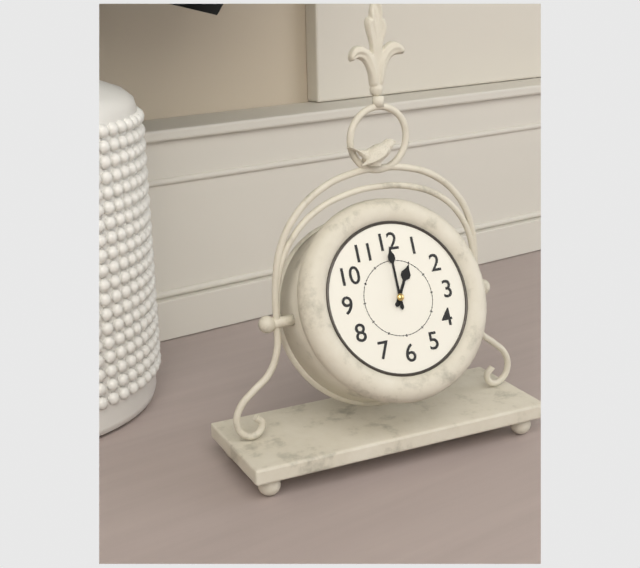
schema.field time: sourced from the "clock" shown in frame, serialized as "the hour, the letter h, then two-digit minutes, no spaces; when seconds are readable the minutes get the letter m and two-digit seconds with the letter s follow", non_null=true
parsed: 1h00
